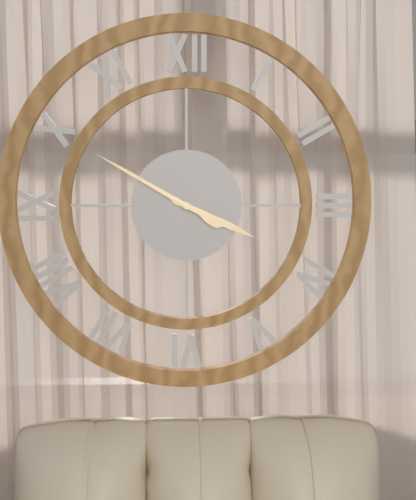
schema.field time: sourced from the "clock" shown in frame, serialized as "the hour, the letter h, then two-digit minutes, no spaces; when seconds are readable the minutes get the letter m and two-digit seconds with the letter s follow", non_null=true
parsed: 3h50
